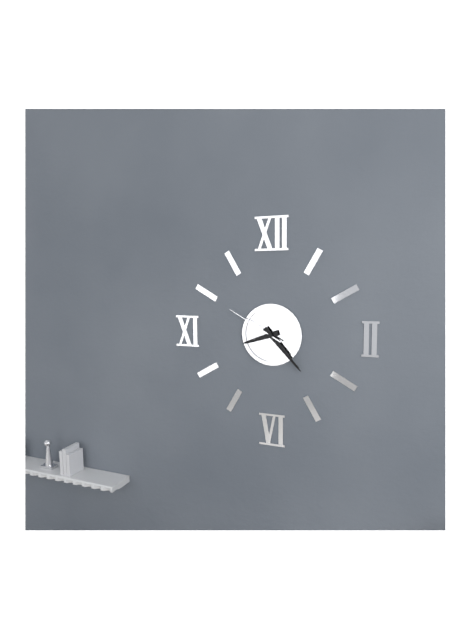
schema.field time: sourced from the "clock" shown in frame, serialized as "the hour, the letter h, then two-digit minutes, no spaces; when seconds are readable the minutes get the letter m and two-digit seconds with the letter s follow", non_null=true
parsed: 8h23m50s
